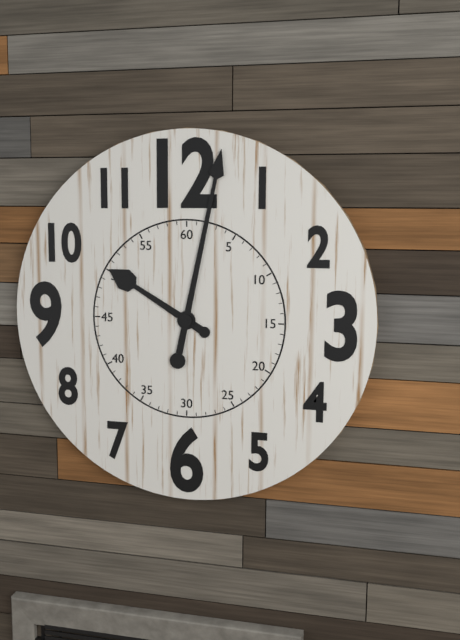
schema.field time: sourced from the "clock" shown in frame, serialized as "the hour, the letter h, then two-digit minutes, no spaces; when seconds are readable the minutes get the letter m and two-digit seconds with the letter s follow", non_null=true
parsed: 10h02
